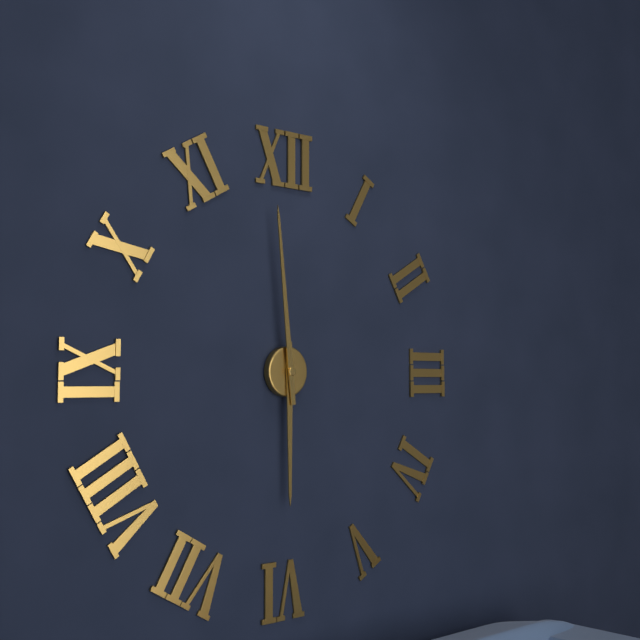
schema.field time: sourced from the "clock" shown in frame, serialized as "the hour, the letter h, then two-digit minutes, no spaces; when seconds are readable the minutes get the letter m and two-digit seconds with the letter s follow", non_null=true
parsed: 5h59
